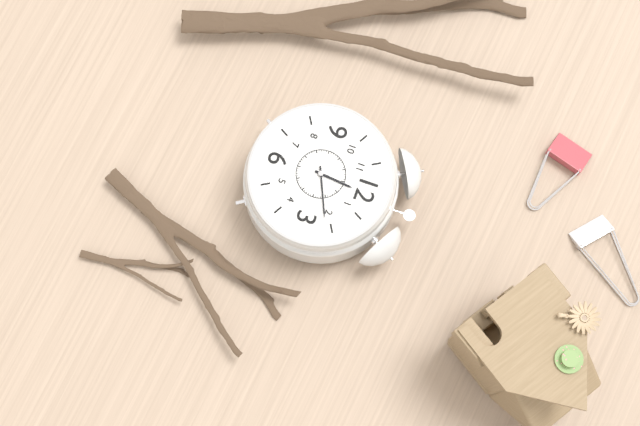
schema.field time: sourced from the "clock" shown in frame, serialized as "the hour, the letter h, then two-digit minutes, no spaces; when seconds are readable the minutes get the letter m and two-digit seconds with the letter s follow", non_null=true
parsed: 12h11
